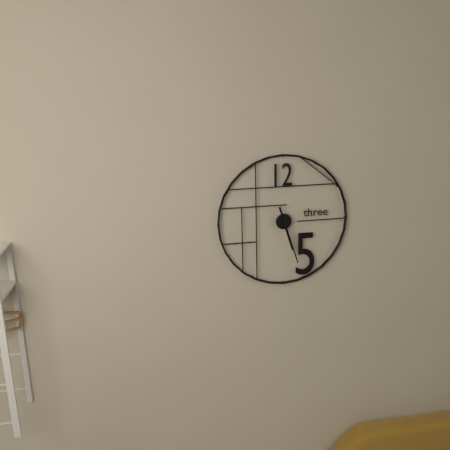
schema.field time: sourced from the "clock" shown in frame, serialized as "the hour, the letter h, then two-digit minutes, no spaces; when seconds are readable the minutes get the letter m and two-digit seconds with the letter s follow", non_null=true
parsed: 5h27
